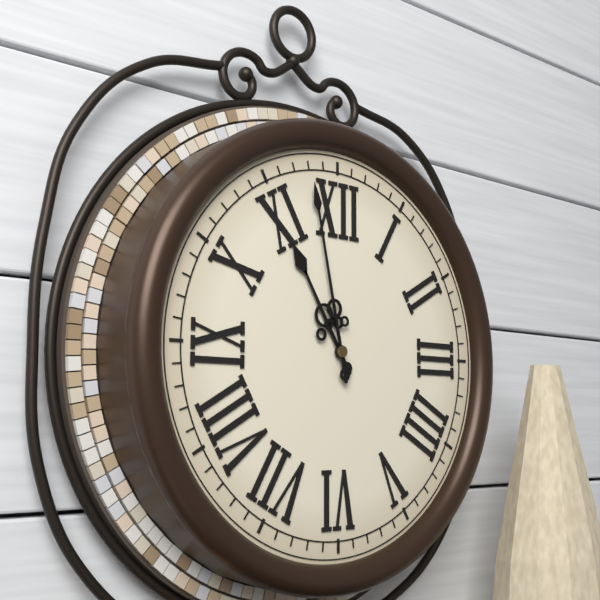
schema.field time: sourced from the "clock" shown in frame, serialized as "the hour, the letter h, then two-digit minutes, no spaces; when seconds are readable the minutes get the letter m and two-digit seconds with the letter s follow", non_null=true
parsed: 10h58
